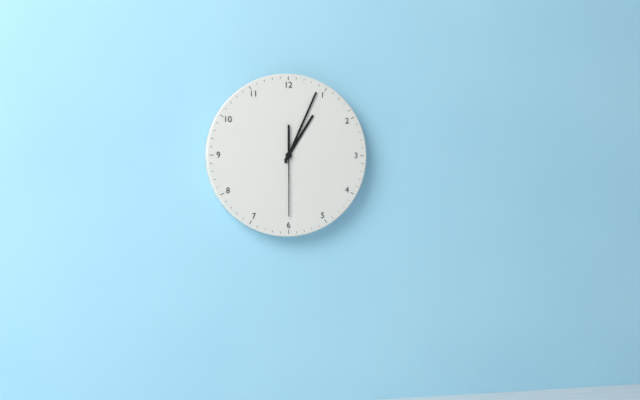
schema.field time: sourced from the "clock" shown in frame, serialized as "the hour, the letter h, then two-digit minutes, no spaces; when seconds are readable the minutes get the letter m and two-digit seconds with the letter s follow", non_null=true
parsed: 1h04m30s
